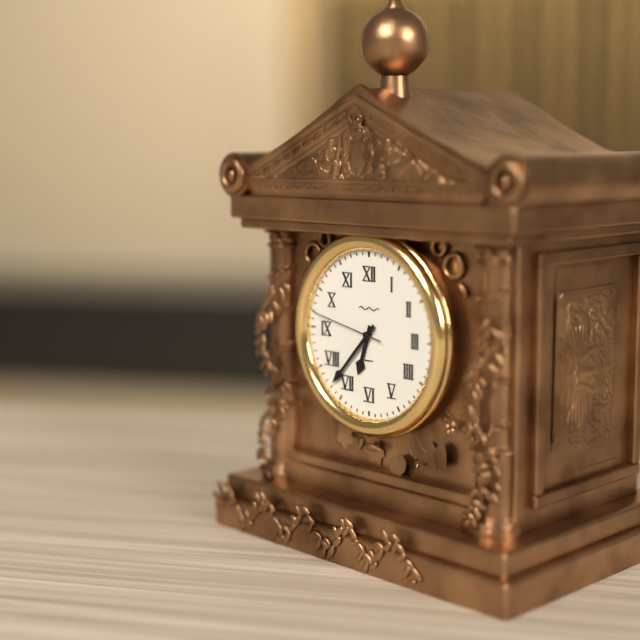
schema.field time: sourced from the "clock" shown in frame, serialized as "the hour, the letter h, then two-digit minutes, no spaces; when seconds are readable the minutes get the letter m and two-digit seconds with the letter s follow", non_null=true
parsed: 6h37m47s
